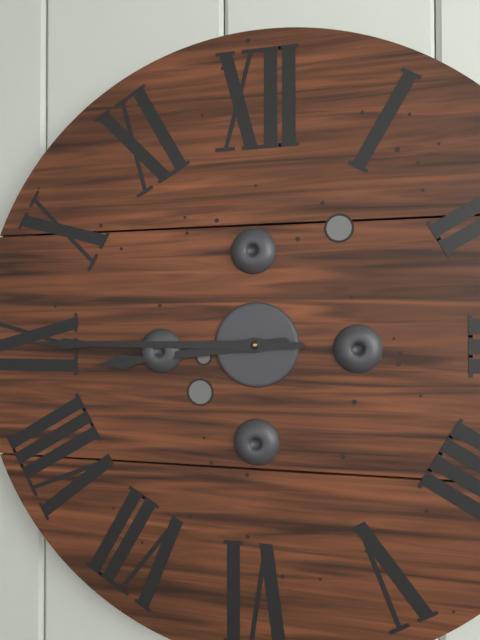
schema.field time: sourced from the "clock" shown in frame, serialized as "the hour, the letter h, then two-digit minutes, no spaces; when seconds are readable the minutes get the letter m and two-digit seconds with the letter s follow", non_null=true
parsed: 8h45
